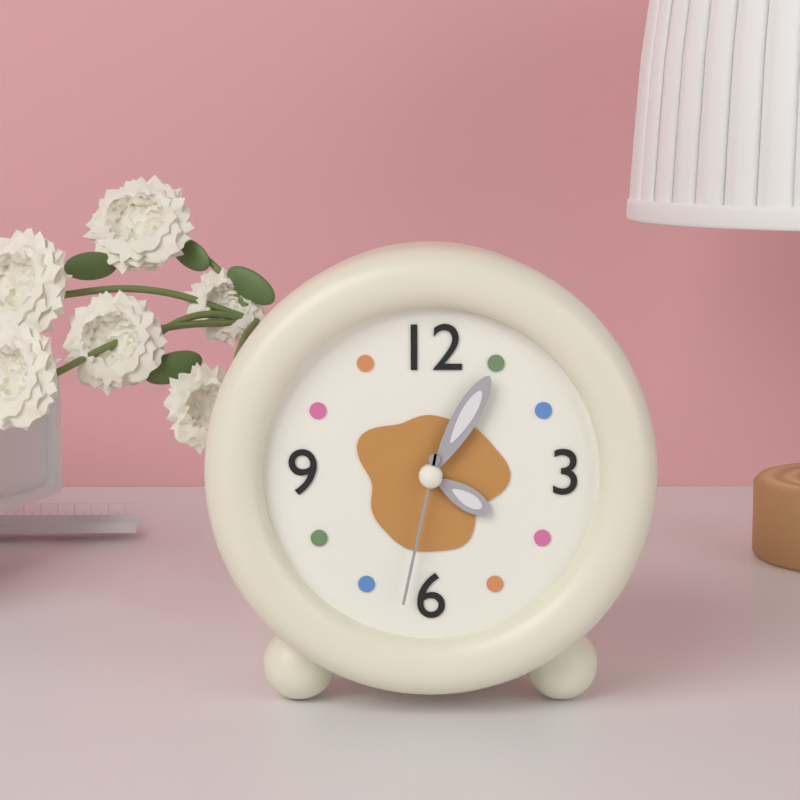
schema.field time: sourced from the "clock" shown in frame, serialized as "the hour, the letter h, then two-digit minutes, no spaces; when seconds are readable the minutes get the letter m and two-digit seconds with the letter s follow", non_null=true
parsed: 4h05m32s
